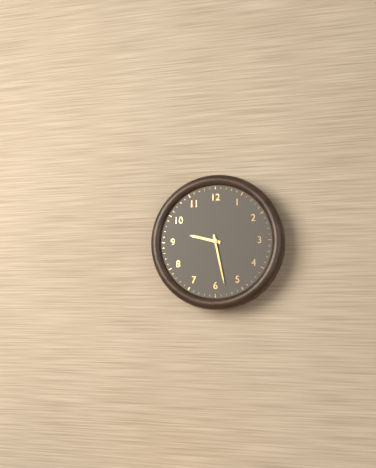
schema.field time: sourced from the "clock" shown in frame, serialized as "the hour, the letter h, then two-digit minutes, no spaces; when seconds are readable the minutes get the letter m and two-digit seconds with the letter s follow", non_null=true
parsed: 9h28
